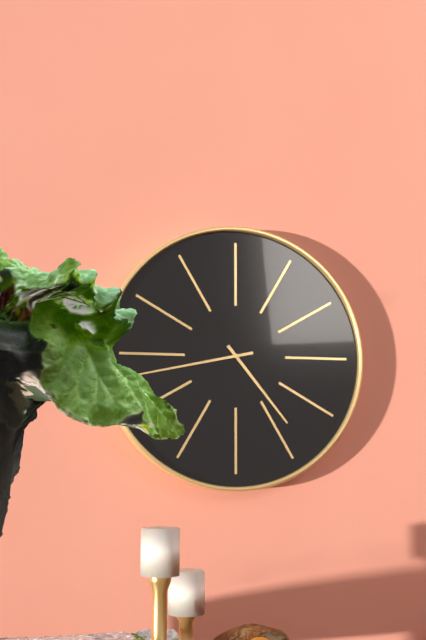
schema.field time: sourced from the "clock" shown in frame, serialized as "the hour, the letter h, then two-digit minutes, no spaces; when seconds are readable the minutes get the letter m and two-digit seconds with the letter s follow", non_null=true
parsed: 4h43
